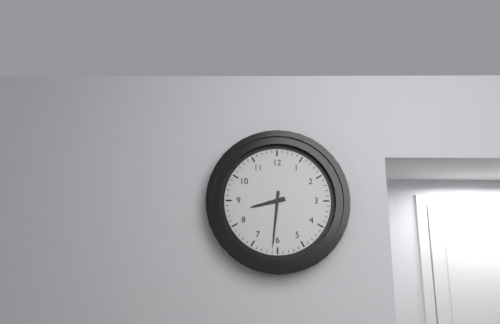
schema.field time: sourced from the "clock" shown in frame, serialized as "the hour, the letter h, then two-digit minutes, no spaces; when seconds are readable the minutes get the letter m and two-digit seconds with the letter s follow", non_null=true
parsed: 8h31
